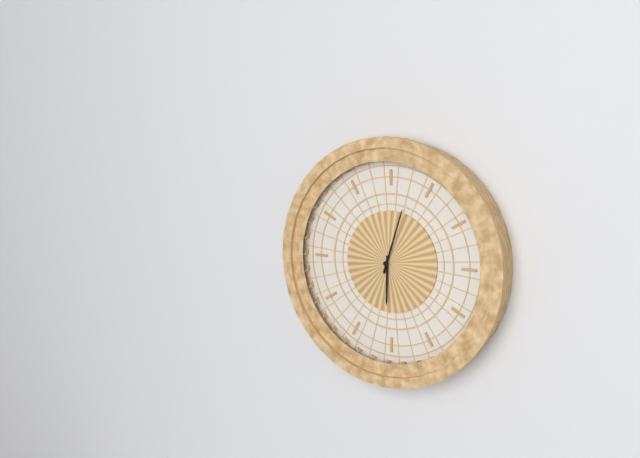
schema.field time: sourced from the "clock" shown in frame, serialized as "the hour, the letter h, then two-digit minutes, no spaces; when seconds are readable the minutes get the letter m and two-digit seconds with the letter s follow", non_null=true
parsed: 6h03
